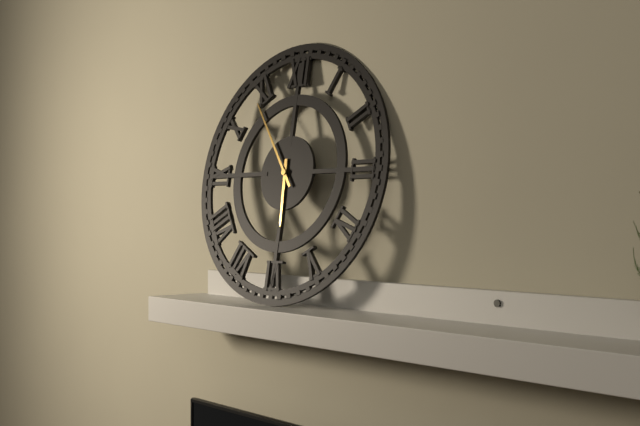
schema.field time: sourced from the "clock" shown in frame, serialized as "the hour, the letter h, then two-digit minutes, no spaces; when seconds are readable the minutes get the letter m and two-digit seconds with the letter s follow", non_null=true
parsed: 5h54
